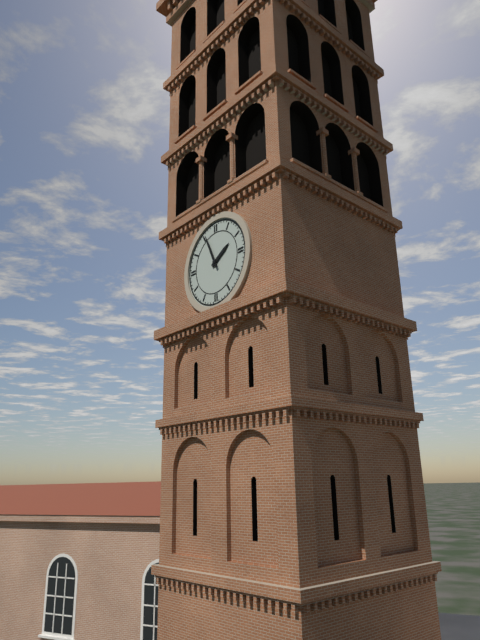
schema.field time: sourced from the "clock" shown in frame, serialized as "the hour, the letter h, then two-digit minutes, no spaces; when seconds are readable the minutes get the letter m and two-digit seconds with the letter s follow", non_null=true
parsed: 1h56
